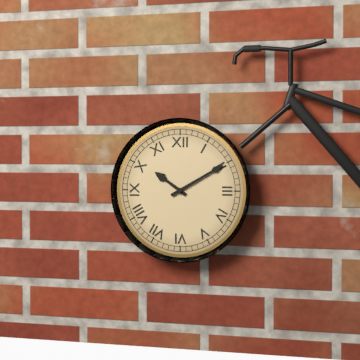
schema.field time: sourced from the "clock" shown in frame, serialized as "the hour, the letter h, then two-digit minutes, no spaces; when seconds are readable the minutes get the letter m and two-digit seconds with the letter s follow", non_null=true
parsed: 10h10
